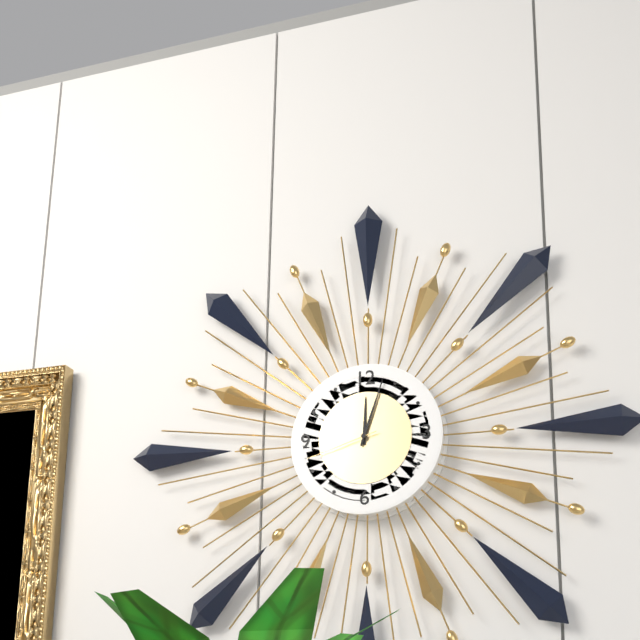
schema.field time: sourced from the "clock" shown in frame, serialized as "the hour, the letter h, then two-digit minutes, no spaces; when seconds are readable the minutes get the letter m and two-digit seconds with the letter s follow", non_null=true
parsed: 12h03m42s
